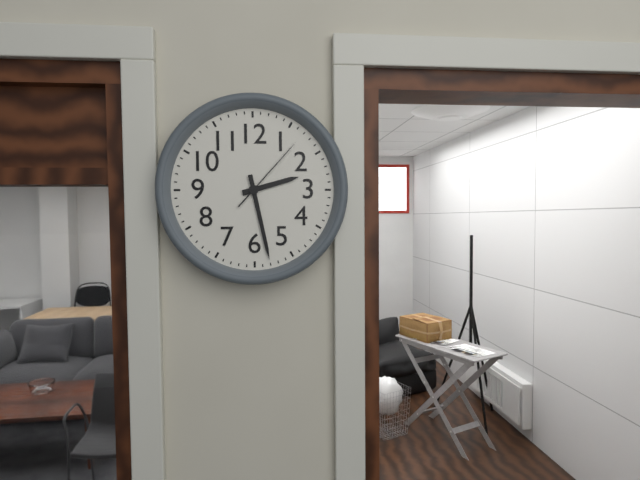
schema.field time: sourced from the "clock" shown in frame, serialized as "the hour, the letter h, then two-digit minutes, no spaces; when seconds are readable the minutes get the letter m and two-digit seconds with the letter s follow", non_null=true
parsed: 2h28m07s
